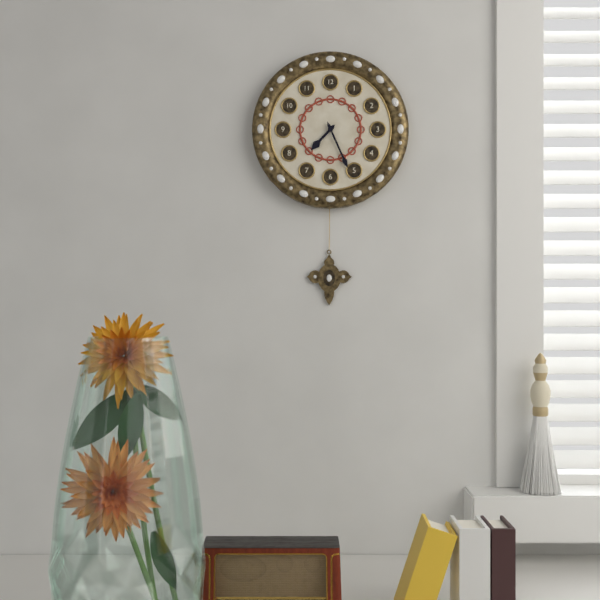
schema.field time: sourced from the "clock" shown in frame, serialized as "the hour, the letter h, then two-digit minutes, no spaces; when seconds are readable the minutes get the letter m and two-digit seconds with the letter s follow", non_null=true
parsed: 7h26
